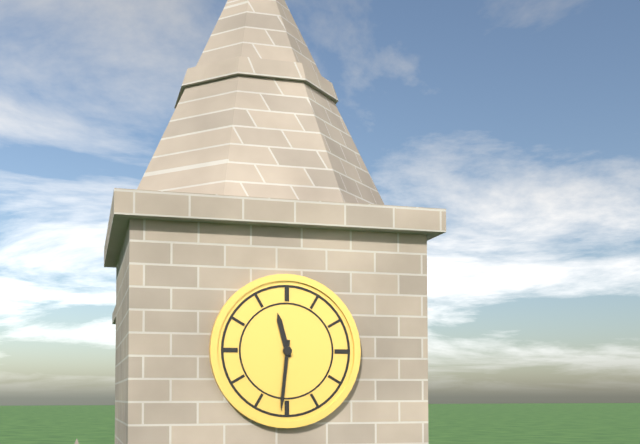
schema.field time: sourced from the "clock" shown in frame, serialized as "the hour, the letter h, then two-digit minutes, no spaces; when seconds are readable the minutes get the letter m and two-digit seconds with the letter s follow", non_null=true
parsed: 11h31
